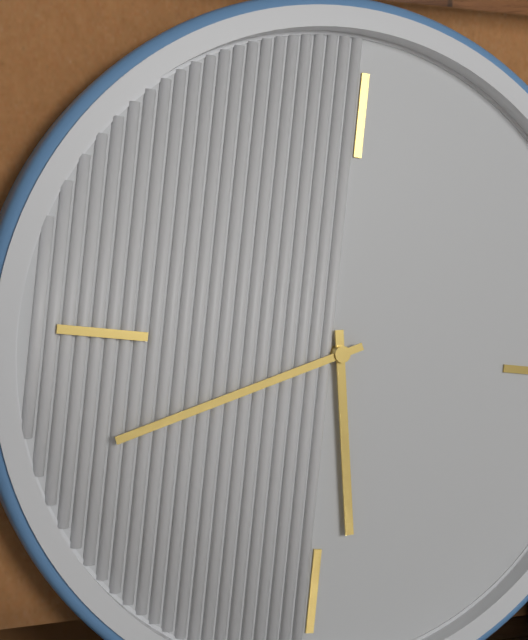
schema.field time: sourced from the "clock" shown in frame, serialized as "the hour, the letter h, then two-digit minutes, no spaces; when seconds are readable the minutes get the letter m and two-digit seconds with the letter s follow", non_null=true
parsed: 5h41
